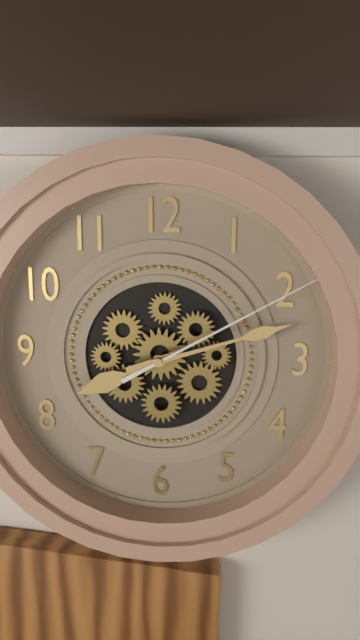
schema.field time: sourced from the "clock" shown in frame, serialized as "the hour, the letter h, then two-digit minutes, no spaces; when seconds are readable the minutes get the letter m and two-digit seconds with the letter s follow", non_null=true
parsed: 8h12m10s
